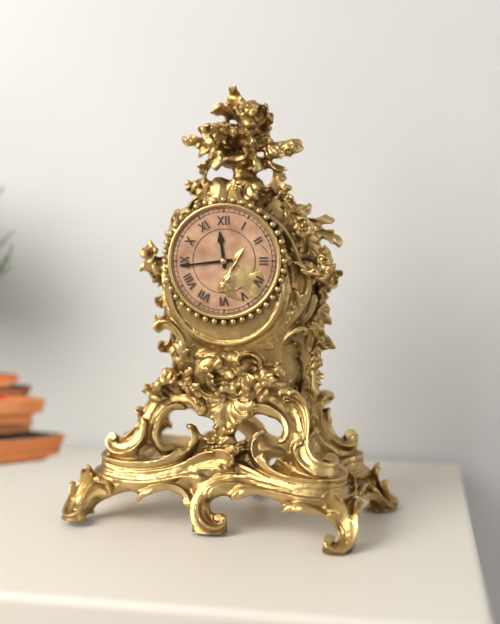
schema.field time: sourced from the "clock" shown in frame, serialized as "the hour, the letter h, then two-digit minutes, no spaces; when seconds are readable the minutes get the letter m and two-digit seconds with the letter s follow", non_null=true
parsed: 11h44
